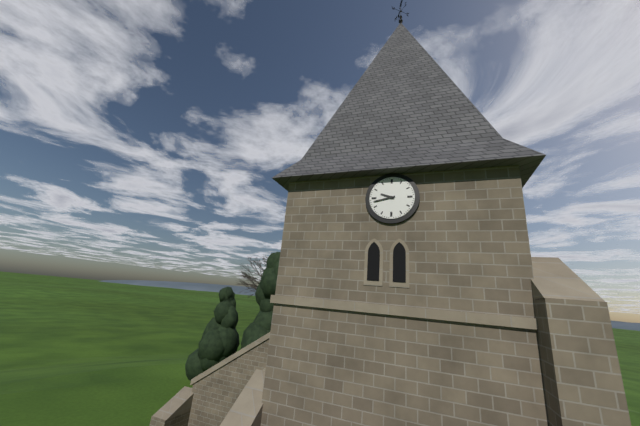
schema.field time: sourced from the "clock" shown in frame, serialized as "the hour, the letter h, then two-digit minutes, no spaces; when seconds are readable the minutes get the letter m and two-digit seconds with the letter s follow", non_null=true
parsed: 9h43
